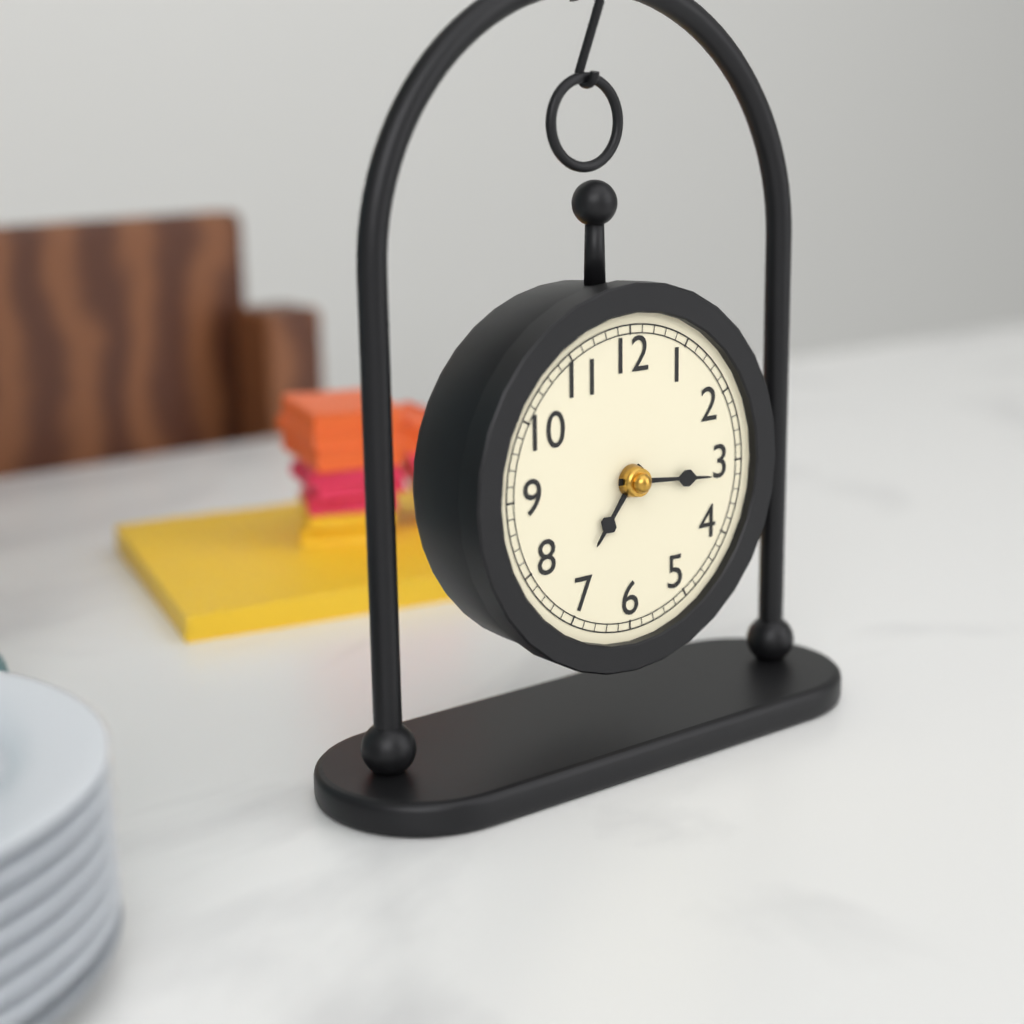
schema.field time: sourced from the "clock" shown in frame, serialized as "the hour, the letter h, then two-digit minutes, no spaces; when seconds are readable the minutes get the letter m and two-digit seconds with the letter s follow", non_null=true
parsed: 7h16
